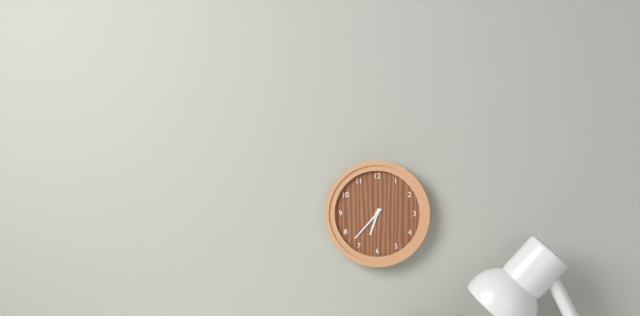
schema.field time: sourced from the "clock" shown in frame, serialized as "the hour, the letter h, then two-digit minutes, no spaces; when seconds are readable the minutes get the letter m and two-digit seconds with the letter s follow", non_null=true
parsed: 6h37
